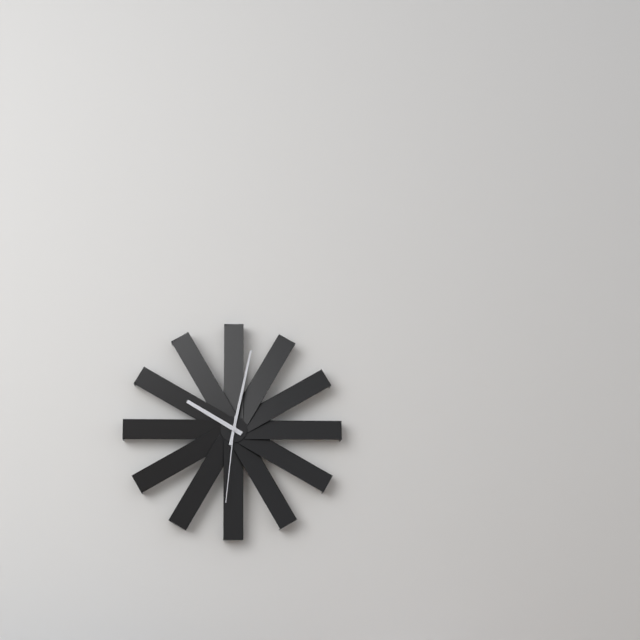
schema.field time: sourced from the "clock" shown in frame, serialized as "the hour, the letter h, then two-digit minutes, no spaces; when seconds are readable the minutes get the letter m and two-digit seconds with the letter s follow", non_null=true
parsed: 10h02m31s
